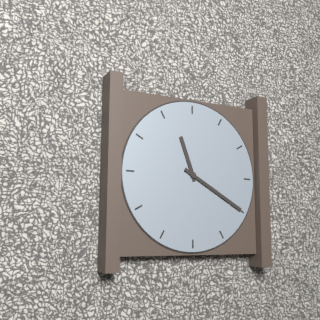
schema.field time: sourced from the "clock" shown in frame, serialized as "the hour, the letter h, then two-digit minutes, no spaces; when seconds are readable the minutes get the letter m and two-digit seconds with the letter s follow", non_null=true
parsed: 11h20
